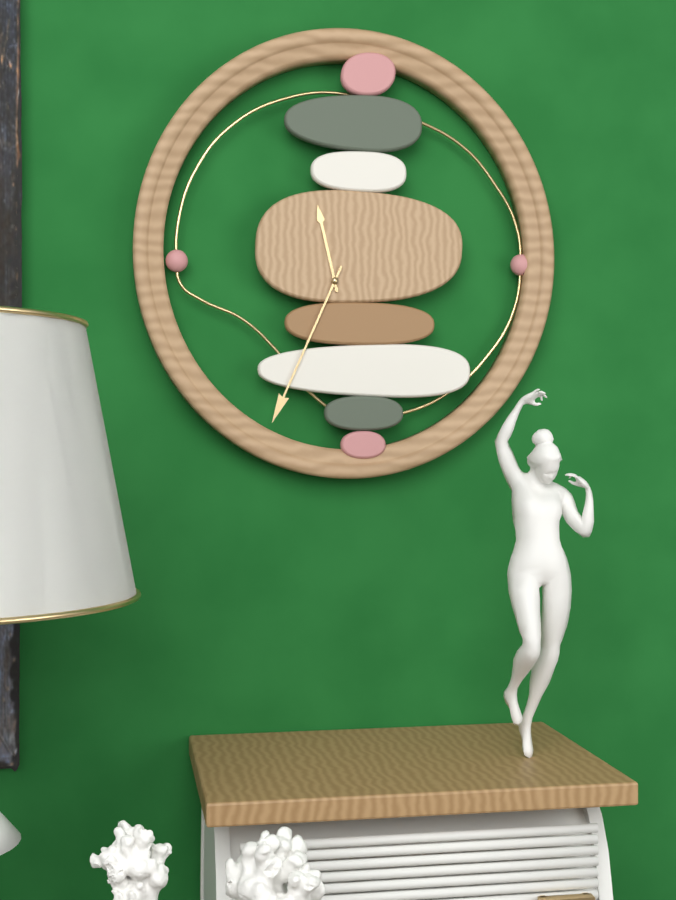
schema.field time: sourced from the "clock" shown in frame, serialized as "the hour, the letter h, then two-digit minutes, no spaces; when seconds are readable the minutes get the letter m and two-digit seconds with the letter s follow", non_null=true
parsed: 11h34
